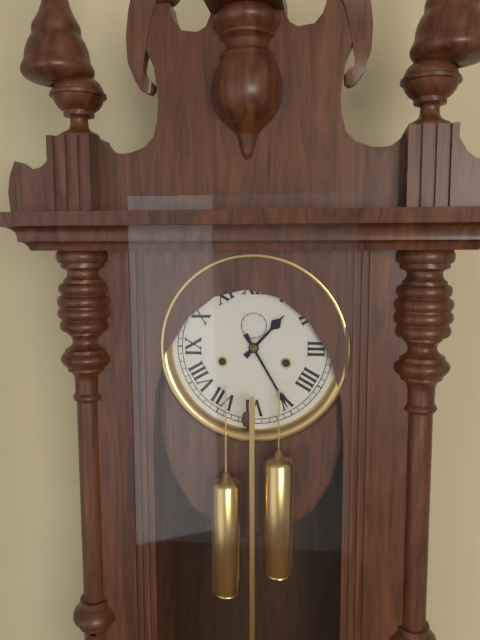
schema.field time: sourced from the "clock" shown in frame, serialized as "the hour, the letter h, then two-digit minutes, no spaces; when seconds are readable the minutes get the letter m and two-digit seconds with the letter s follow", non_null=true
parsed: 1h25
